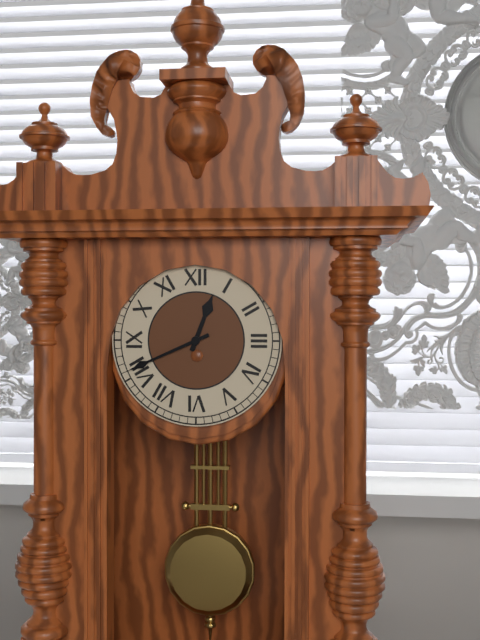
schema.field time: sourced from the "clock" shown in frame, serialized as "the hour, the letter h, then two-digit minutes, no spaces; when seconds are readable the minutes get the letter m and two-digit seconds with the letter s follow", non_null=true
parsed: 12h41
